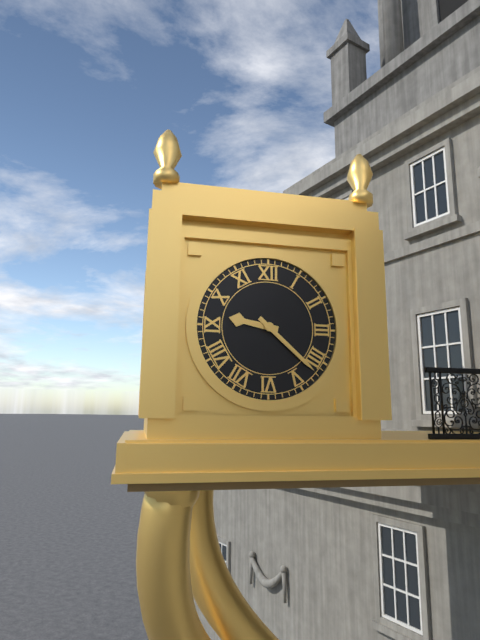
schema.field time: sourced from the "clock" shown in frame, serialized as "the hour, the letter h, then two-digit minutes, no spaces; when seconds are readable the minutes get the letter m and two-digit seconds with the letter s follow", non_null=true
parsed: 9h22
